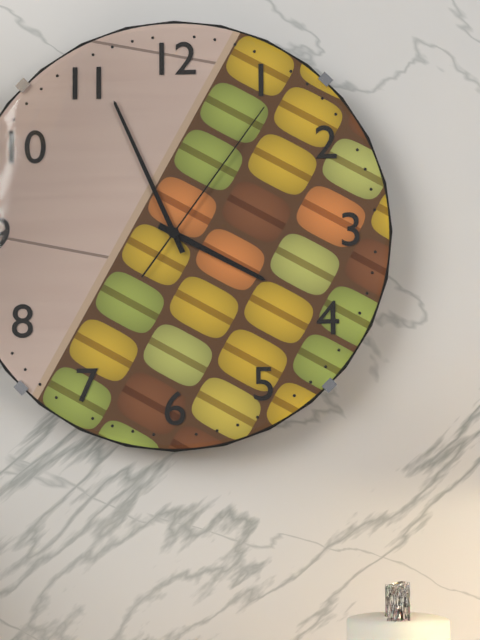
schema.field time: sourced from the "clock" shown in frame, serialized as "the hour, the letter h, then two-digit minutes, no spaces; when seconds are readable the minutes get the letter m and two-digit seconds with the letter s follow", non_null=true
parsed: 3h56m06s
